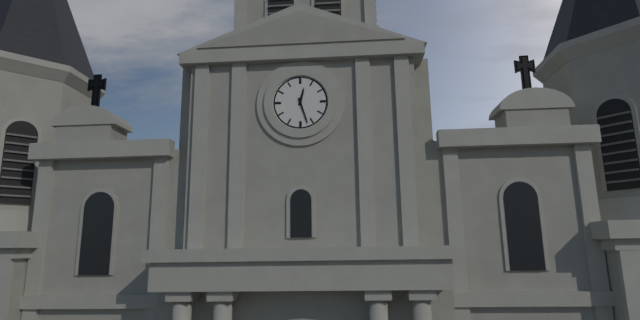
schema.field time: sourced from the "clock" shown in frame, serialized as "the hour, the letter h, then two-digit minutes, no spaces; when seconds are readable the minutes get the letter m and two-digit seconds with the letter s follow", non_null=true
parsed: 12h27
